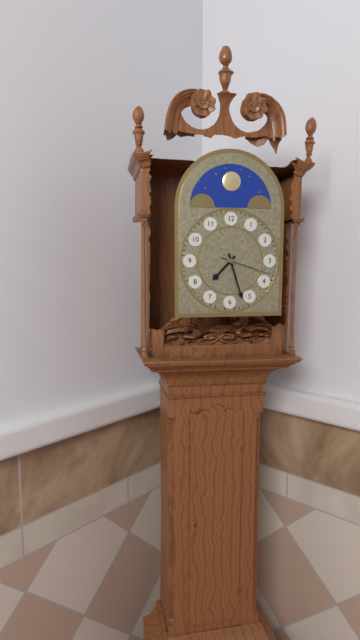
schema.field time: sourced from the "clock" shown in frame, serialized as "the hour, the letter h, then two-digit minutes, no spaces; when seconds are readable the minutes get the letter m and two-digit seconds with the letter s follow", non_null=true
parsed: 7h27m18s
